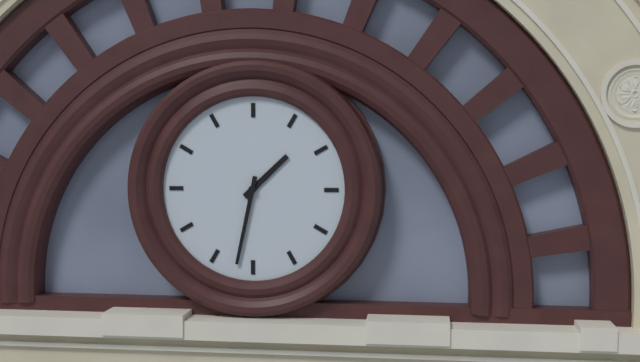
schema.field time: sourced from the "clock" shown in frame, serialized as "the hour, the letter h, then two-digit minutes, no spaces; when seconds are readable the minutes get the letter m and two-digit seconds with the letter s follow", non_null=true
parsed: 1h32
